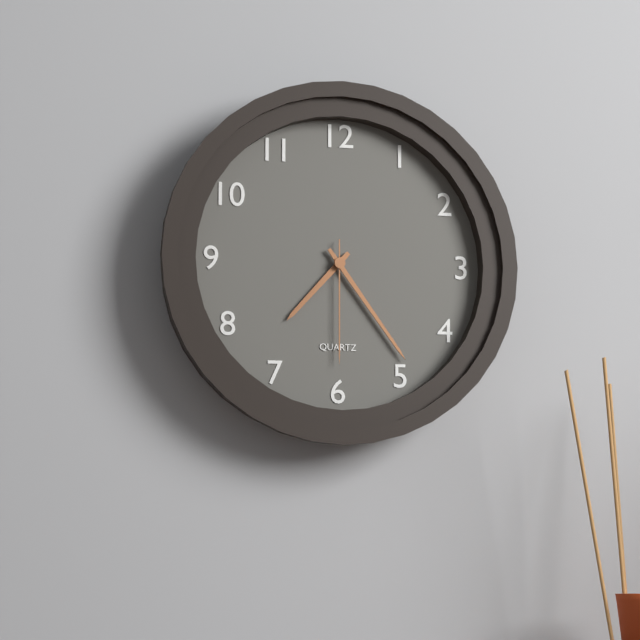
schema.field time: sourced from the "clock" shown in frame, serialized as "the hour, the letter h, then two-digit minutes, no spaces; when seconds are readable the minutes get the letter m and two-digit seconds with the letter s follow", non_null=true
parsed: 7h24m30s
